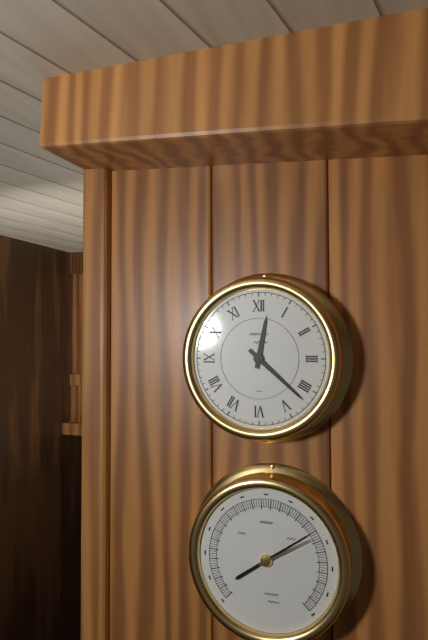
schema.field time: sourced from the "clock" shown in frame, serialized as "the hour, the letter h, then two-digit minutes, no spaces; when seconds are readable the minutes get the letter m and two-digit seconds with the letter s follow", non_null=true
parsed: 12h22
